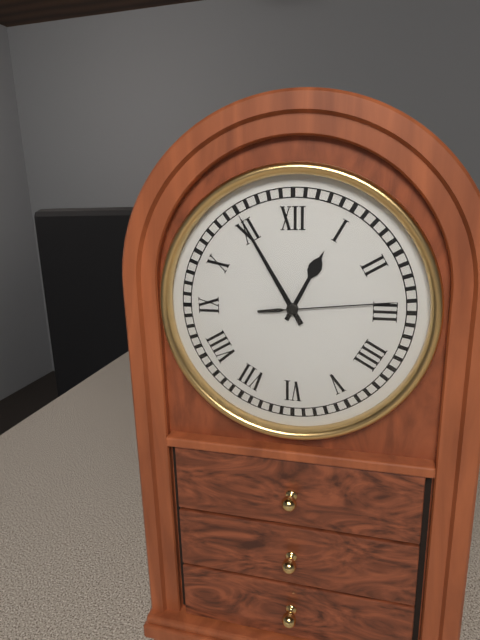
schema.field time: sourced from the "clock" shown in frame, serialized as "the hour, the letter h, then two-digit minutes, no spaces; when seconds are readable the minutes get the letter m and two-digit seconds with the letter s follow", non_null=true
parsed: 12h55m14s
